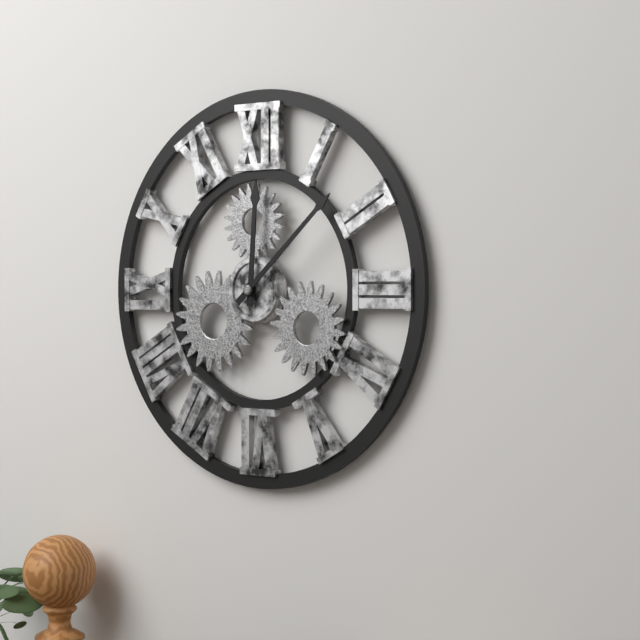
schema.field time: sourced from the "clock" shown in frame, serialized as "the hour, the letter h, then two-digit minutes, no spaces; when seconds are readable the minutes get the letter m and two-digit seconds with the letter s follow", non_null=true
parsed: 12h08
